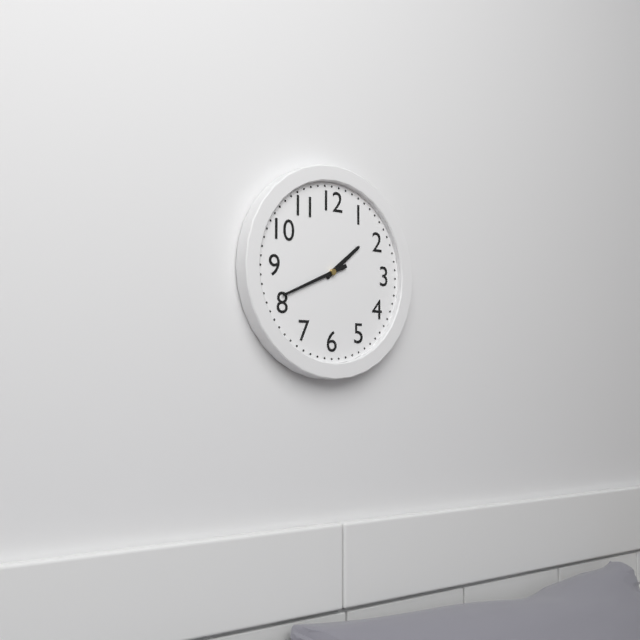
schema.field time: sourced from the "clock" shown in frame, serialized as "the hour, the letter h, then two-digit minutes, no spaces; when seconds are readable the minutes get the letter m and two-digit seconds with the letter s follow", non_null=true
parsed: 1h41
